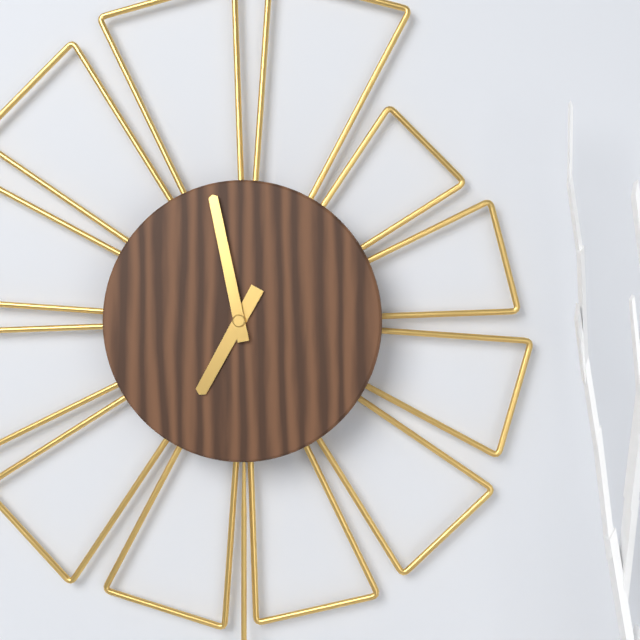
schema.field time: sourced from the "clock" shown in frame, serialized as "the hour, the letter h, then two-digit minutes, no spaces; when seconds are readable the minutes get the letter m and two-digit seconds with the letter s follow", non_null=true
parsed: 6h58
